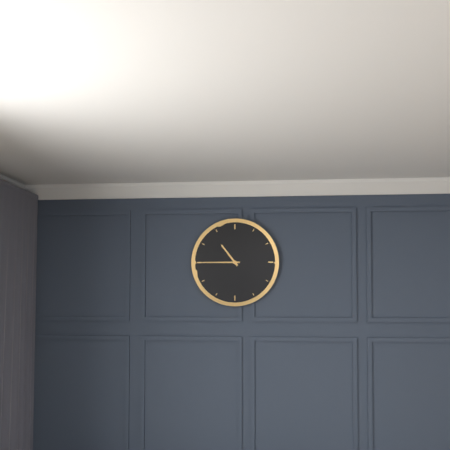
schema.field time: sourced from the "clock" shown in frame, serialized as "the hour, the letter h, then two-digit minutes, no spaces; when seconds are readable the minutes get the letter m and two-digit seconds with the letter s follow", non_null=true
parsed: 10h45
